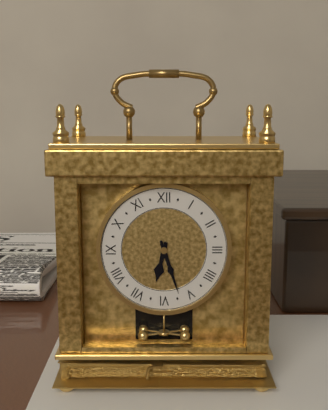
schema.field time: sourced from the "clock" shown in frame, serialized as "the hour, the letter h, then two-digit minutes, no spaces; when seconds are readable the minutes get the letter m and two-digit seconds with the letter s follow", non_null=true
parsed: 6h27
